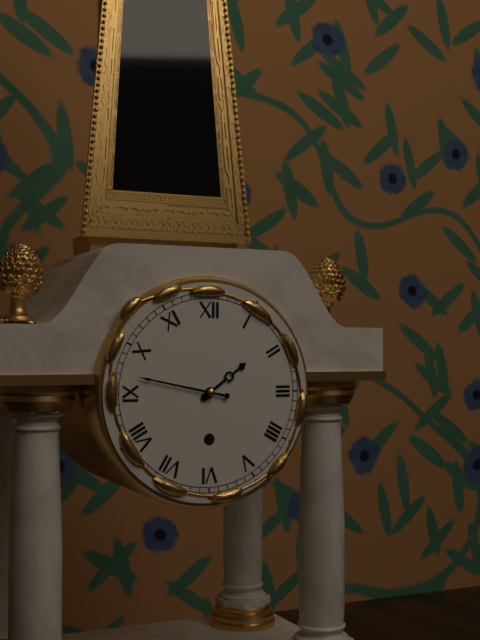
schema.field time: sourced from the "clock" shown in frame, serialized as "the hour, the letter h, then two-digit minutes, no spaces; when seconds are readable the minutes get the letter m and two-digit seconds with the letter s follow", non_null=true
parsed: 1h47
